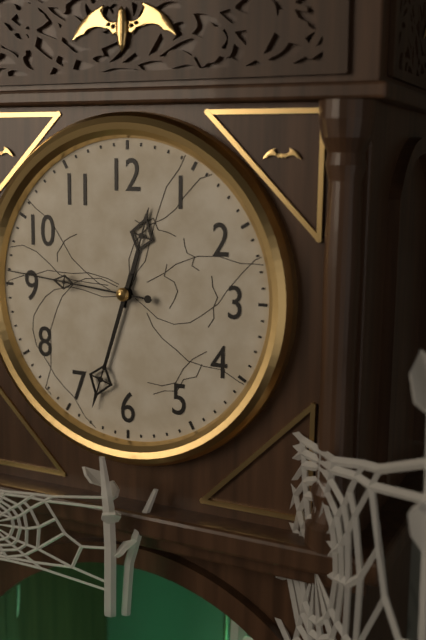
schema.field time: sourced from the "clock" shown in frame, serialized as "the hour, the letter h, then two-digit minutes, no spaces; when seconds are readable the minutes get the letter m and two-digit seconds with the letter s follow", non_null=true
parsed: 12h33m46s
